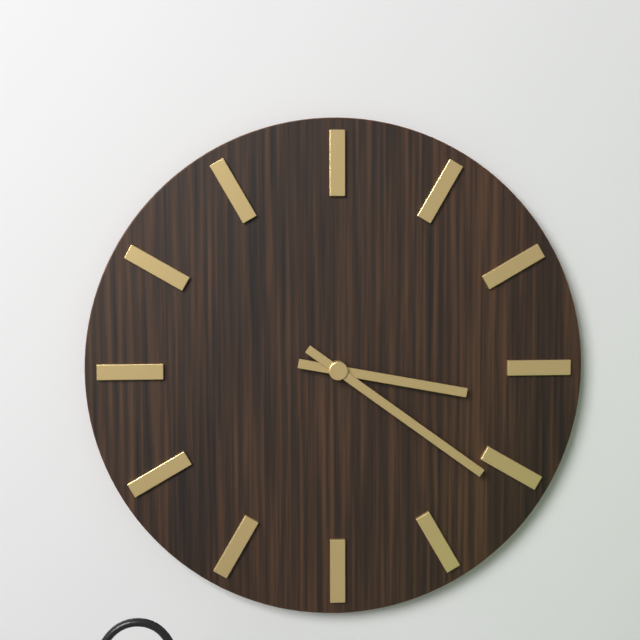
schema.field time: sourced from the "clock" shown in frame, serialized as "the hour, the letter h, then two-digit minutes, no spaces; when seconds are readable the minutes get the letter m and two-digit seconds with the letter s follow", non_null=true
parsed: 3h21
